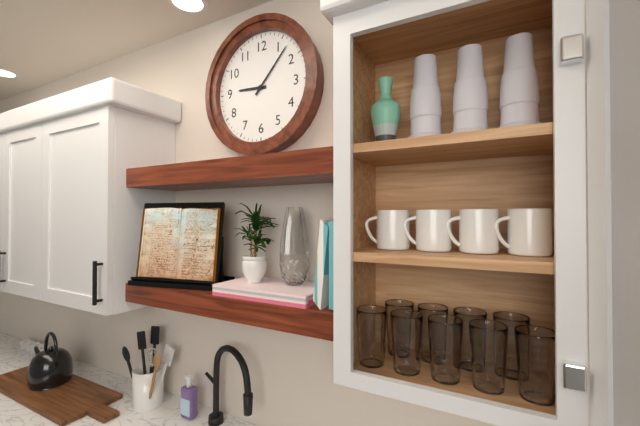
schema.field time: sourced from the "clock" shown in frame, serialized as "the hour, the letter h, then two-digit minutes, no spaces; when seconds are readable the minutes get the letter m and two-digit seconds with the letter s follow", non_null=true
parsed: 9h07
